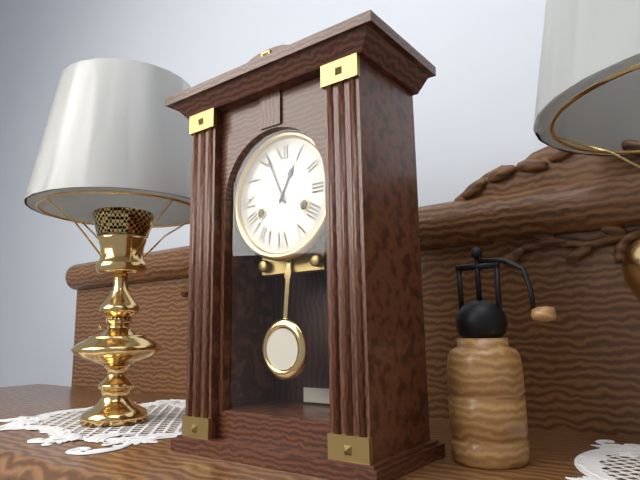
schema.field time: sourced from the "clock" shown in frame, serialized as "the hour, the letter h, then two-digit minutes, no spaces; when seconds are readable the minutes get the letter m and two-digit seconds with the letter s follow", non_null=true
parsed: 12h56
